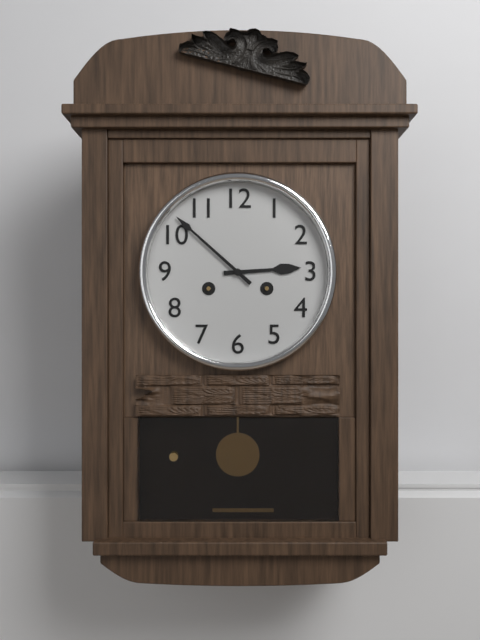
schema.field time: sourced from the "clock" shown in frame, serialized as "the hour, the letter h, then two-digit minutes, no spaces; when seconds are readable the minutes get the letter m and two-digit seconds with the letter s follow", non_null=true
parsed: 2h52
